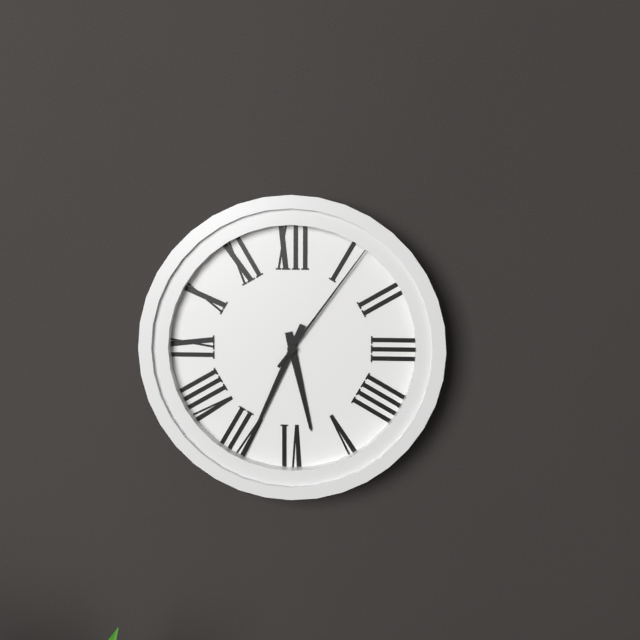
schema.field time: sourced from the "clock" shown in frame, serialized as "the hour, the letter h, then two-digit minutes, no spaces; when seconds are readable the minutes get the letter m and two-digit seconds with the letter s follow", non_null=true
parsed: 5h34m06s
